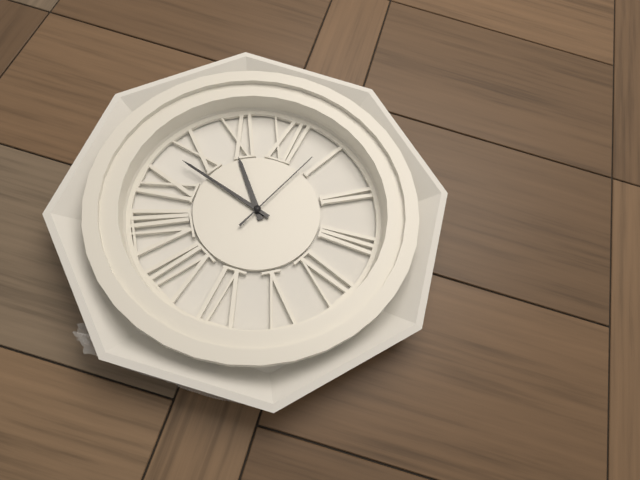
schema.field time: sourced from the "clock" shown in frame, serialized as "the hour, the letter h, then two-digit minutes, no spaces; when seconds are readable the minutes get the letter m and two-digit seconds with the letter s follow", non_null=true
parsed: 10h48m04s
